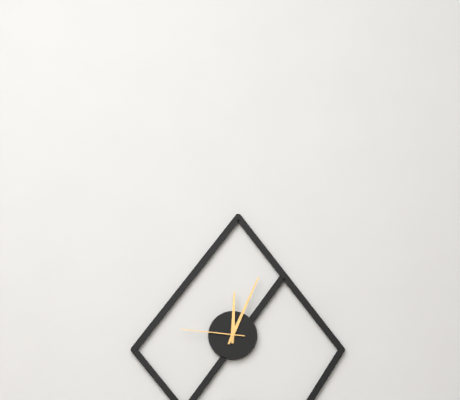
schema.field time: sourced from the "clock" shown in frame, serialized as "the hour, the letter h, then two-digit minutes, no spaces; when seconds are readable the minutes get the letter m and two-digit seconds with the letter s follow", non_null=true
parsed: 12h04m46s
